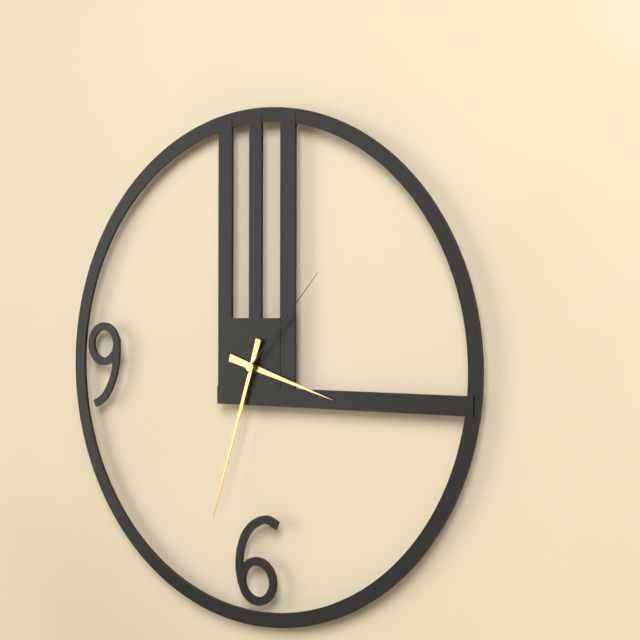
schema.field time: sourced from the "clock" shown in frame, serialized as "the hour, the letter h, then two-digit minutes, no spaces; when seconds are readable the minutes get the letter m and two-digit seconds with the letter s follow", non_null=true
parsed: 3h33m07s
